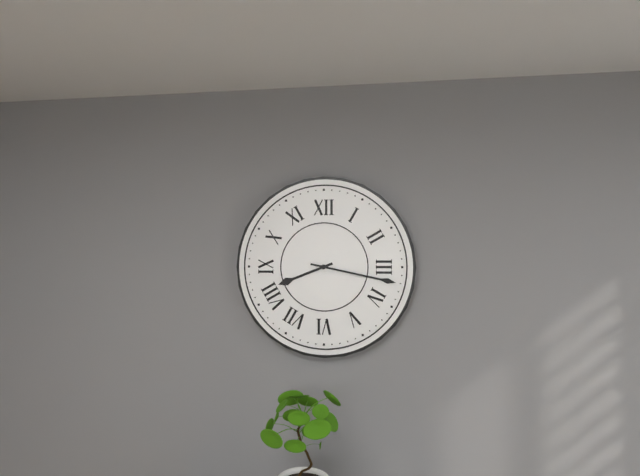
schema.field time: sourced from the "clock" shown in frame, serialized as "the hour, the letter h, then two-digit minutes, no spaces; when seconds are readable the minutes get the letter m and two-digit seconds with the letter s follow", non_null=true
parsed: 8h17
